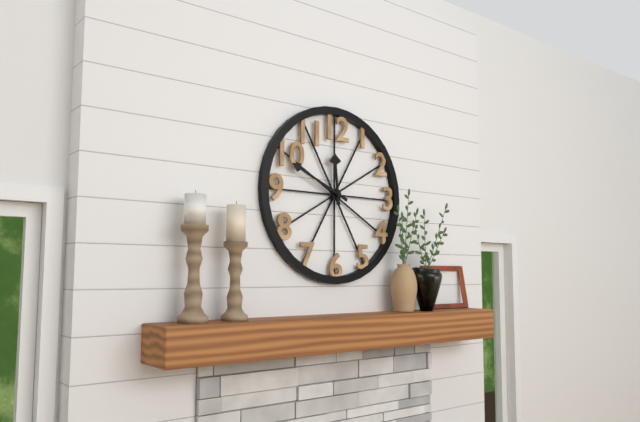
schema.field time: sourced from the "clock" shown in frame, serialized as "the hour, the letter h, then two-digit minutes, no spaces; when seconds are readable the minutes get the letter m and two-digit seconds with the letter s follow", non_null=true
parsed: 11h49
